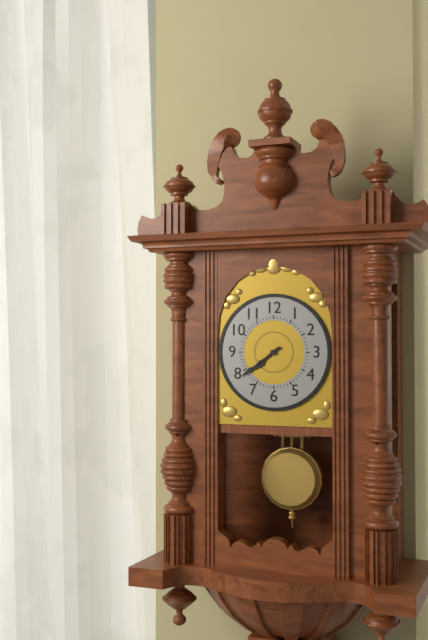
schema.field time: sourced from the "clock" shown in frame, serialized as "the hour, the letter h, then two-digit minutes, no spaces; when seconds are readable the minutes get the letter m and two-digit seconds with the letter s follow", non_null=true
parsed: 7h39
